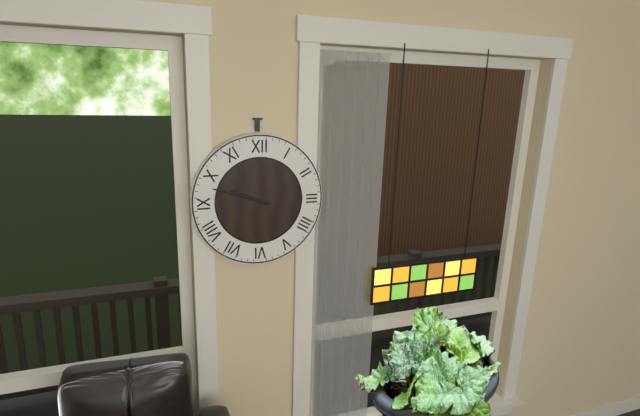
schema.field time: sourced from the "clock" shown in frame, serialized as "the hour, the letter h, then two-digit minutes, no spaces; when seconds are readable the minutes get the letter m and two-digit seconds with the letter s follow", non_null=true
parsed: 9h48
